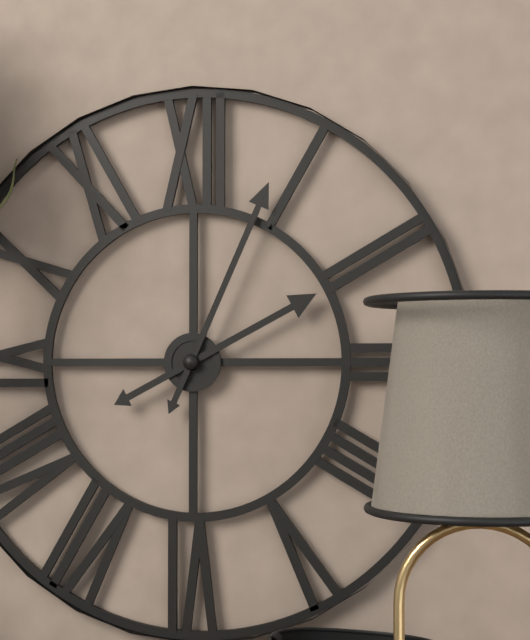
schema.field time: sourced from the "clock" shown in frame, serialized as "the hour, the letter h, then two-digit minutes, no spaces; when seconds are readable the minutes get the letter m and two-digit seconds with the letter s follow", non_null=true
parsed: 2h04
